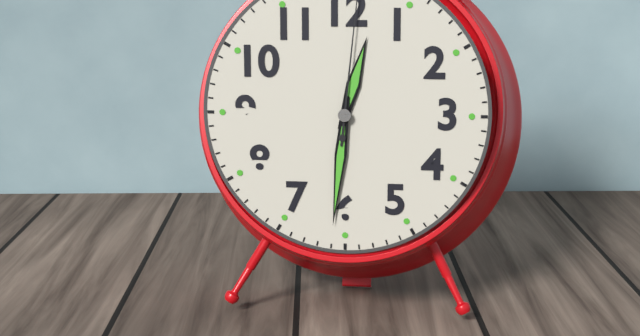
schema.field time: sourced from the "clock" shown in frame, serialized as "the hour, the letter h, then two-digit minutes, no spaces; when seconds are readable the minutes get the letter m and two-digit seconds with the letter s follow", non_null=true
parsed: 12h31
